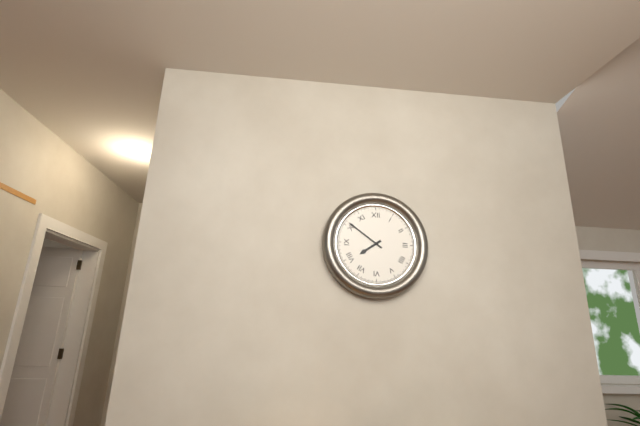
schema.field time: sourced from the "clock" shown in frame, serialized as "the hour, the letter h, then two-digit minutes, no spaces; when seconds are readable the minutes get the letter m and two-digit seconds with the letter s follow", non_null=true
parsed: 7h51
